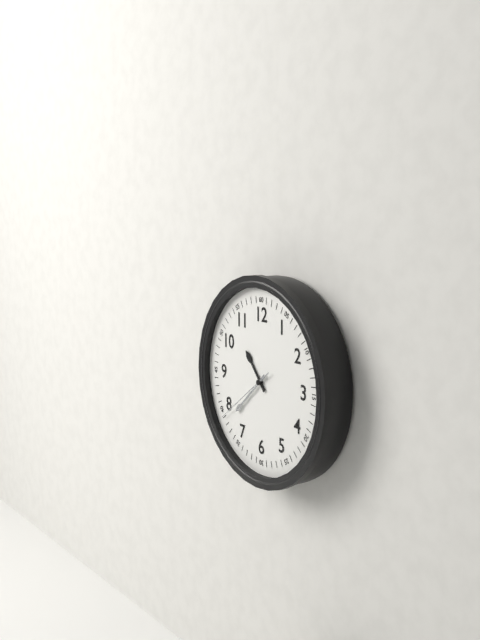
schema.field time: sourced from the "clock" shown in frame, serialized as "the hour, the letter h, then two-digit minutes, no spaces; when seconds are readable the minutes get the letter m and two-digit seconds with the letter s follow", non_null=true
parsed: 10h38m39s
